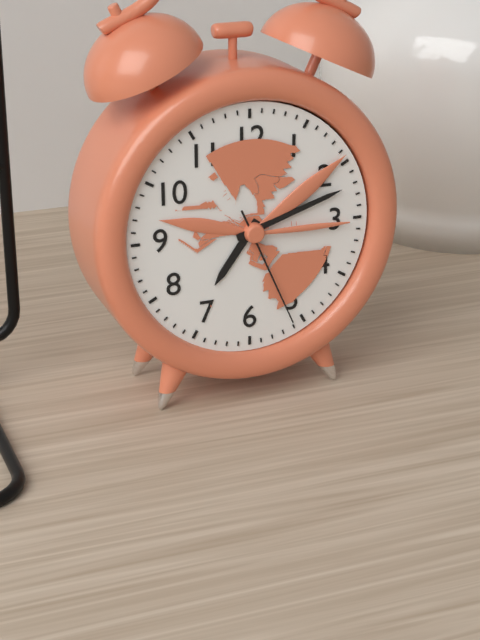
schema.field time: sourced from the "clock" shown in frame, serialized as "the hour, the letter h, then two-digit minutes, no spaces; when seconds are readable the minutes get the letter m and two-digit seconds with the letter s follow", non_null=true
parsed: 7h12m26s
